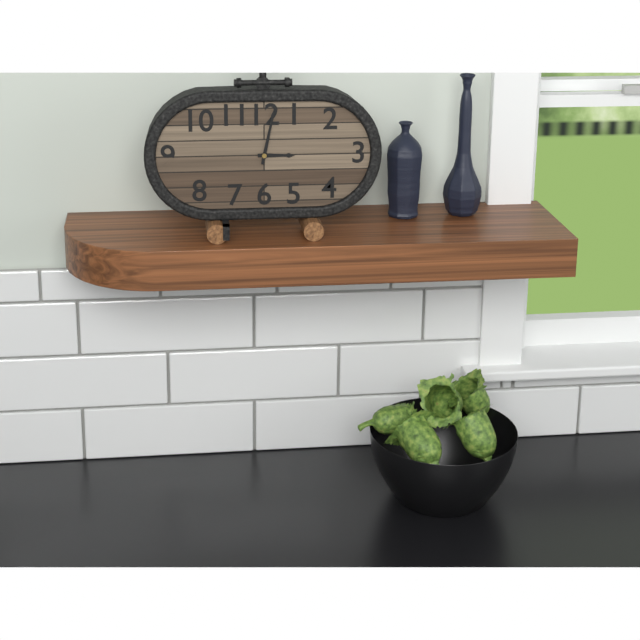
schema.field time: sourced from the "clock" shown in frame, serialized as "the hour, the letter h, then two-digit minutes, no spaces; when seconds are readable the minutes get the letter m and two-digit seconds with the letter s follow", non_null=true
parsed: 3h02
